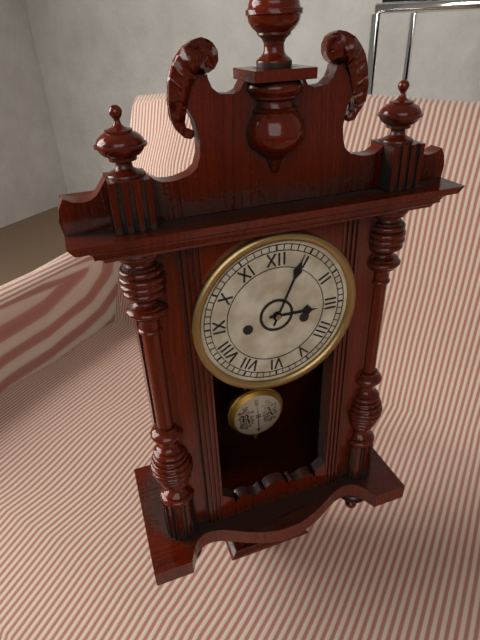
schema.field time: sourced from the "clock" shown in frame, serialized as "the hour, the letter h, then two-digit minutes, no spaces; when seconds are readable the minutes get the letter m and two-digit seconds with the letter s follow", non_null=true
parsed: 3h04
